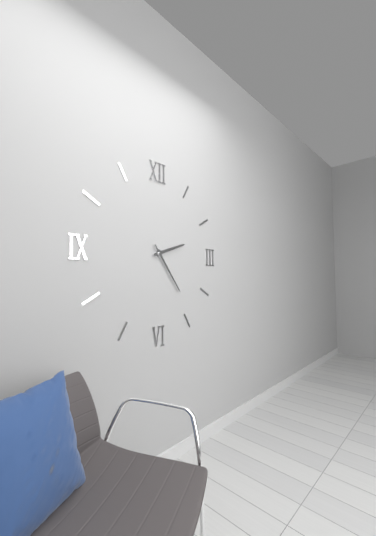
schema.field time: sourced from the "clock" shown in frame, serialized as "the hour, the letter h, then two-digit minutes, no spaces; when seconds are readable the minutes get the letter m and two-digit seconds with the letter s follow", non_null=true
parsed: 2h24
